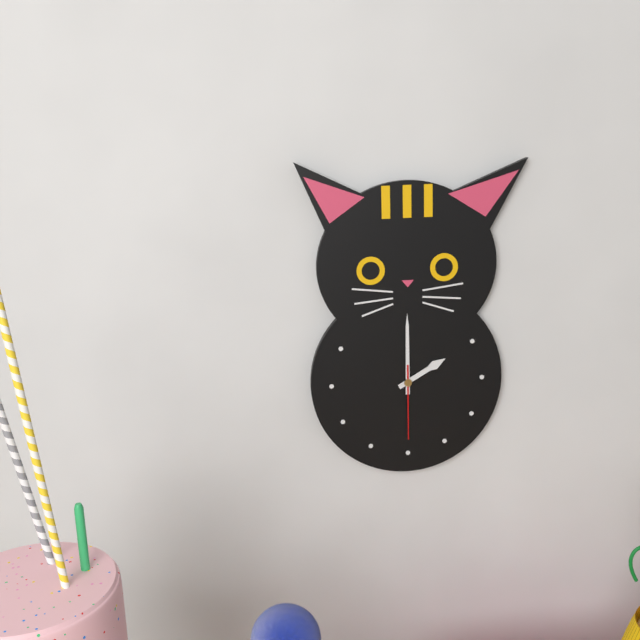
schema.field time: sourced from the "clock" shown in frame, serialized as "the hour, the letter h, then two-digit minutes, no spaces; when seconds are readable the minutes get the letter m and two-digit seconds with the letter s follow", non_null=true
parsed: 2h00m30s
